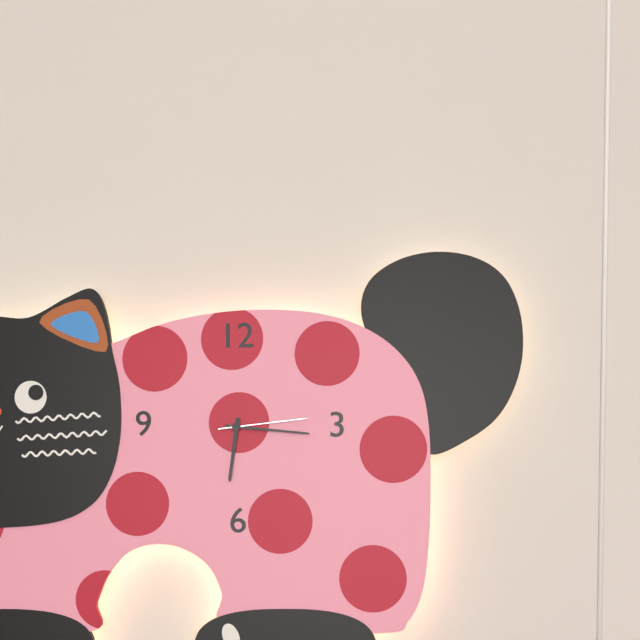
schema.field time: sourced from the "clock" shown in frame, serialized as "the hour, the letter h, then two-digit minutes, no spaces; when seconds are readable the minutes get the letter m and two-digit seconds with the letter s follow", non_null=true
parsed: 6h16m14s
